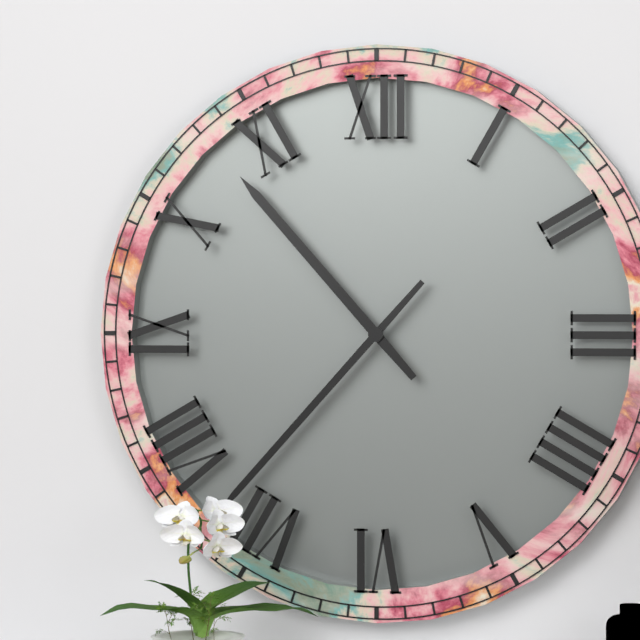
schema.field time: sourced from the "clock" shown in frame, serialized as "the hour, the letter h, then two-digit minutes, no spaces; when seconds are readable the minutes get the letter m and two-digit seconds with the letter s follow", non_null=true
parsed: 10h37
